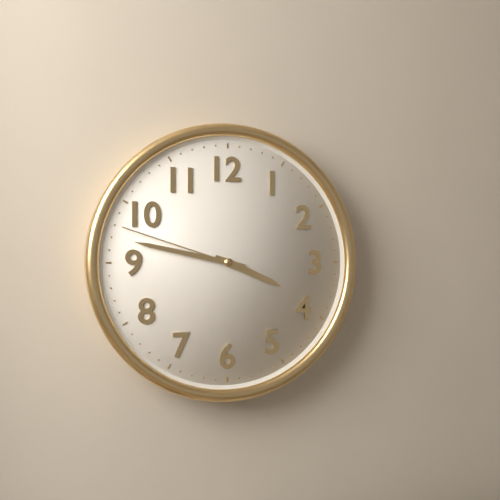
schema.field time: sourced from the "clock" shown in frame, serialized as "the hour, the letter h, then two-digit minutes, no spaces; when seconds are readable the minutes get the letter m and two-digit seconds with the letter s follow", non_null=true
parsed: 3h47m48s
